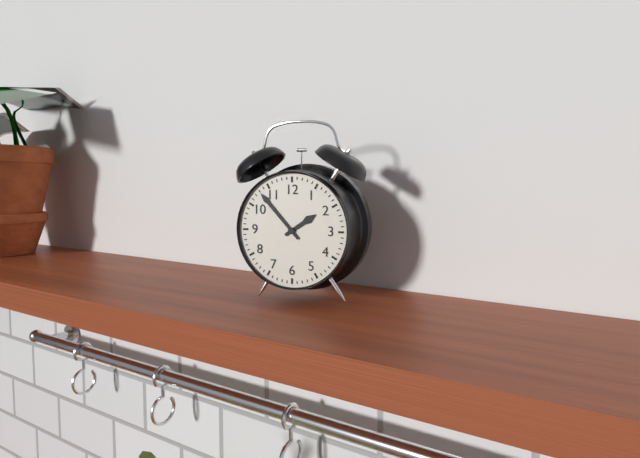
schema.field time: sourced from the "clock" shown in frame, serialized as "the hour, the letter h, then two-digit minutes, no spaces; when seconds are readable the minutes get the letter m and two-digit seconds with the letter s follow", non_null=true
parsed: 1h53
